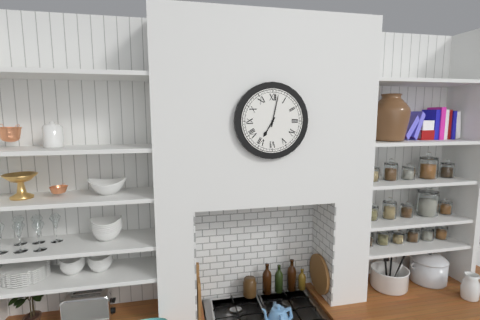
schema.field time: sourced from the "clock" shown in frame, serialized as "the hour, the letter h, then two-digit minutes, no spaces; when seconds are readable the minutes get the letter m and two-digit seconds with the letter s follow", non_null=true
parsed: 7h02
